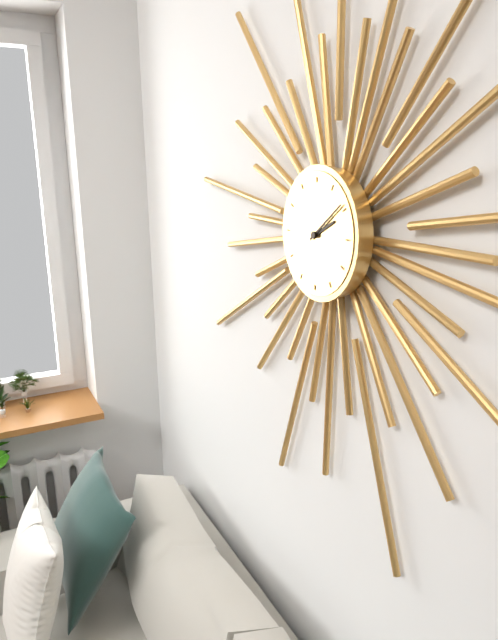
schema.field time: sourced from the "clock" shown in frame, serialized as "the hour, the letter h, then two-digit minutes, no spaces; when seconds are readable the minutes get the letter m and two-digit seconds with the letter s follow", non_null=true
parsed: 2h09
